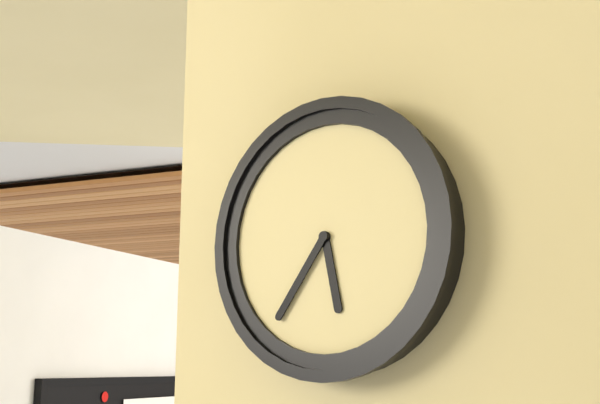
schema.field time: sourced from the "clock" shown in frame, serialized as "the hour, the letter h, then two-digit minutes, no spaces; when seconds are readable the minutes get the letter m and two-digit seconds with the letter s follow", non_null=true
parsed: 5h36
